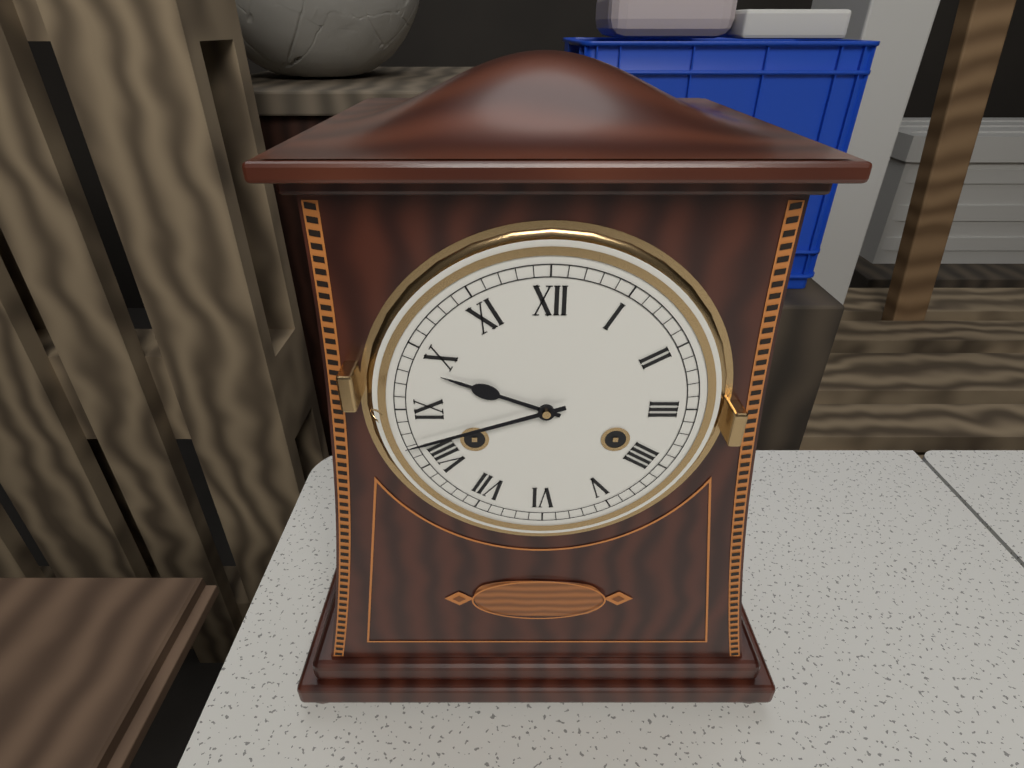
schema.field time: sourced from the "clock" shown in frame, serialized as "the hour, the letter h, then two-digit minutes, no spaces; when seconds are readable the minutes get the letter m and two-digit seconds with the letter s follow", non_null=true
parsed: 9h42
